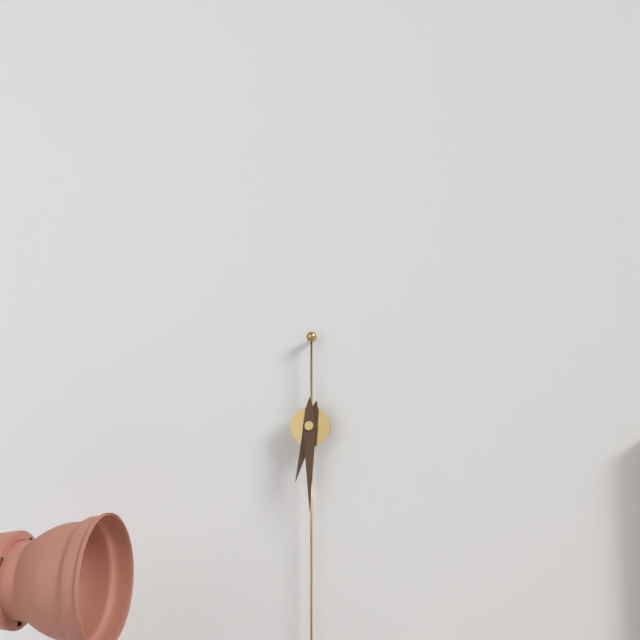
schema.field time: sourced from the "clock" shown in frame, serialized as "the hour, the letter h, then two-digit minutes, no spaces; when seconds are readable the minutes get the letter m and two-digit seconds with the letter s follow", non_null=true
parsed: 6h30
